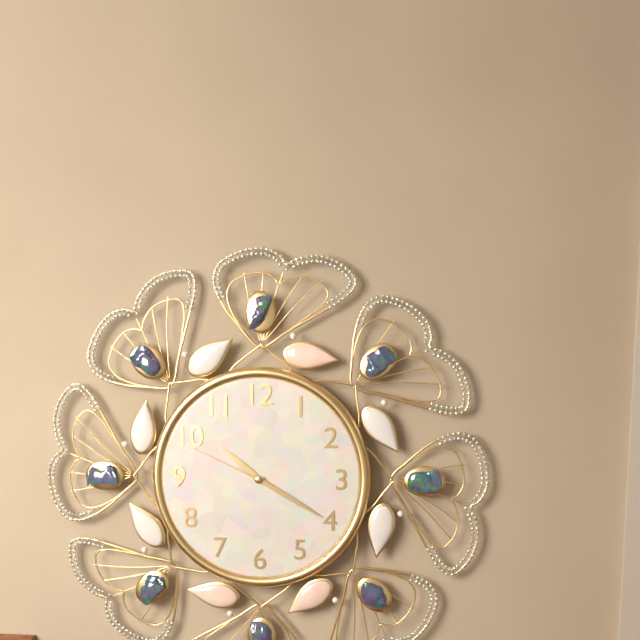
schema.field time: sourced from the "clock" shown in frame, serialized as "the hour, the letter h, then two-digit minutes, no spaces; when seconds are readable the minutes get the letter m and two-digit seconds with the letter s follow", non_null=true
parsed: 10h20m49s
